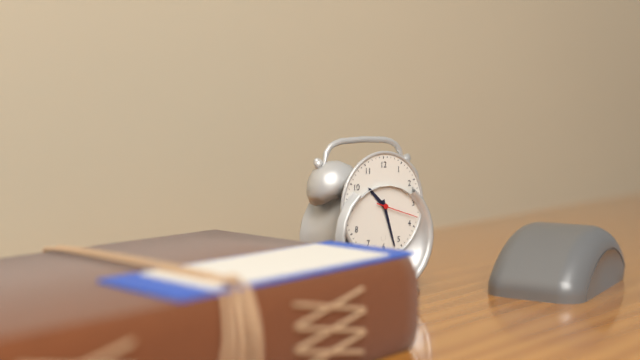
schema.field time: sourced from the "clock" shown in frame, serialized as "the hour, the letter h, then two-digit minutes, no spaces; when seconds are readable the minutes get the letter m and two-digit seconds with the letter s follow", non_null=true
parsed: 10h27
